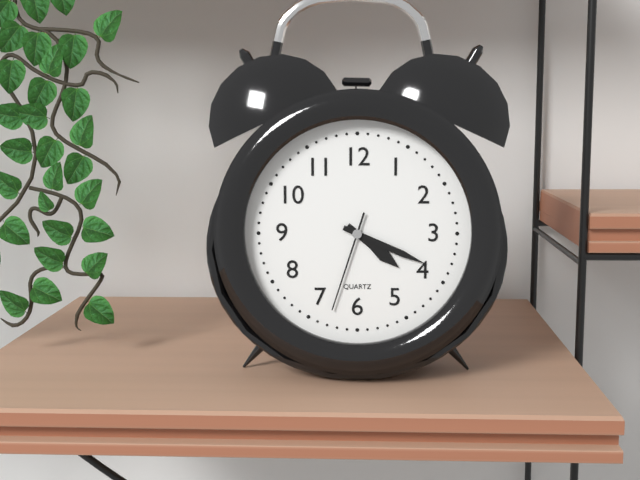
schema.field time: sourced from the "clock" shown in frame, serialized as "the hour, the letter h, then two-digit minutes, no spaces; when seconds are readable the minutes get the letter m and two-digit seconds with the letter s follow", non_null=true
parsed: 4h19m33s
